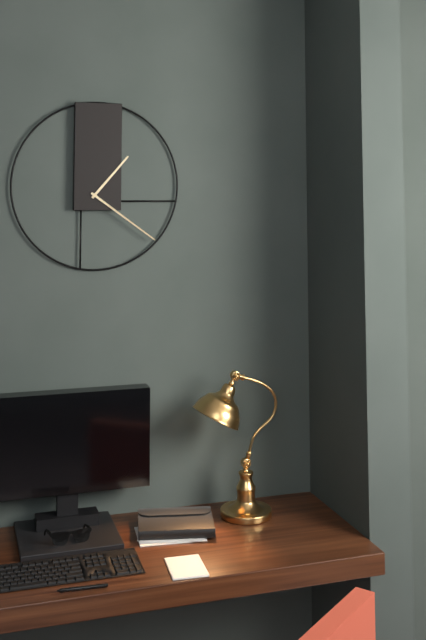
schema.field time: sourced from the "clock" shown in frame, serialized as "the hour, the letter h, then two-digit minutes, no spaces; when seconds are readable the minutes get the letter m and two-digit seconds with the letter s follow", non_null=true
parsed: 1h21
